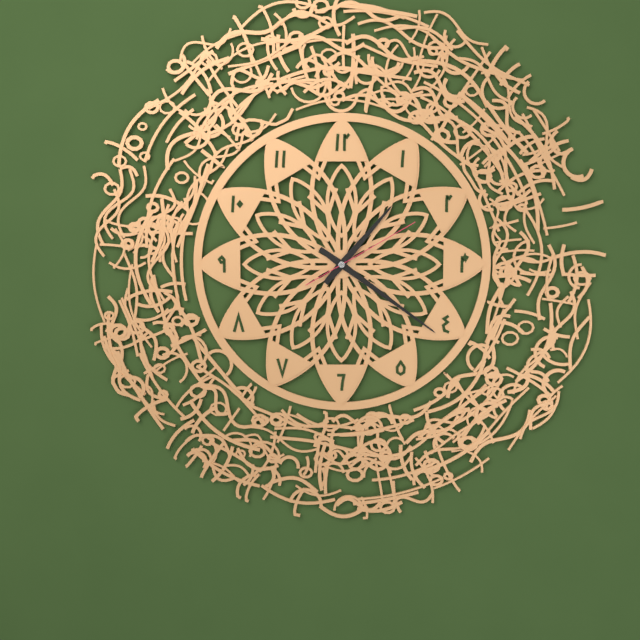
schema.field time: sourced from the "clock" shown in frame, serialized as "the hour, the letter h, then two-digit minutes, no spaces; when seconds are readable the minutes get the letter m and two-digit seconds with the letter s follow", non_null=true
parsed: 1h21m10s
